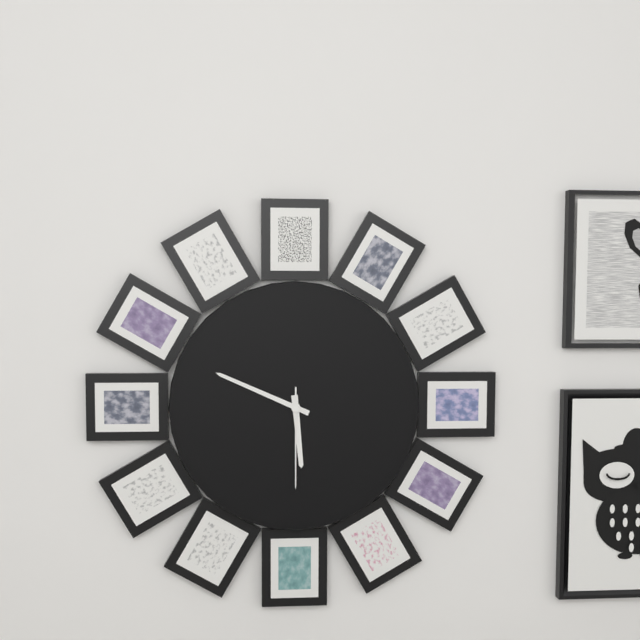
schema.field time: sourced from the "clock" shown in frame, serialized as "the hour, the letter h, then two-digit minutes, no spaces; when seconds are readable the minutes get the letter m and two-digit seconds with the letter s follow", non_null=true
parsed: 5h49m30s
